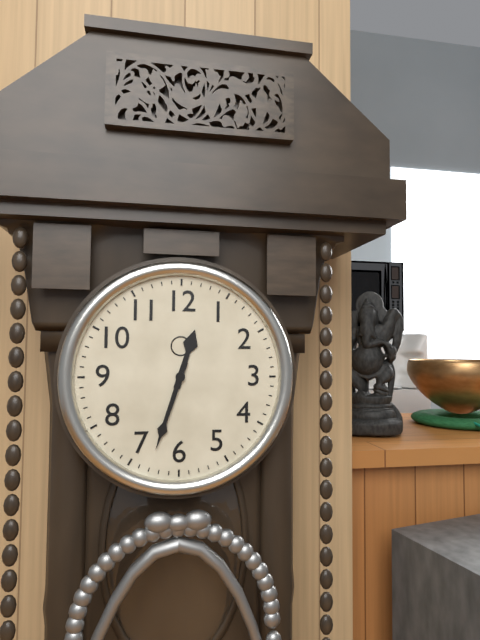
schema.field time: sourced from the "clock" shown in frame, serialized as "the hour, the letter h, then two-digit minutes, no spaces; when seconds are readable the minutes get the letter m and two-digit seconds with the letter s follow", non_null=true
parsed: 12h33
